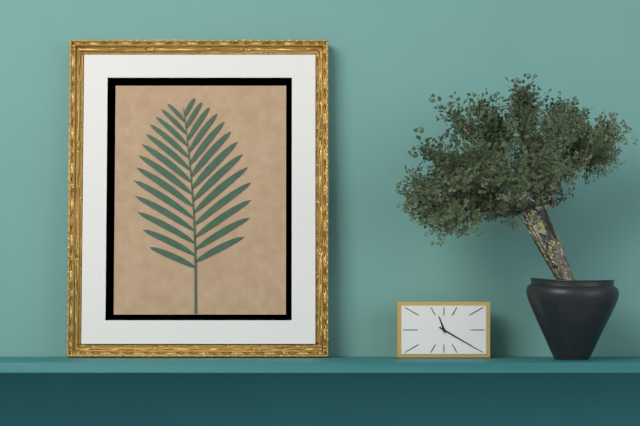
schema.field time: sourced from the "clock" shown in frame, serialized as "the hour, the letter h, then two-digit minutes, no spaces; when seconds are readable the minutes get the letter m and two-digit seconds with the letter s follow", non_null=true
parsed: 11h20
